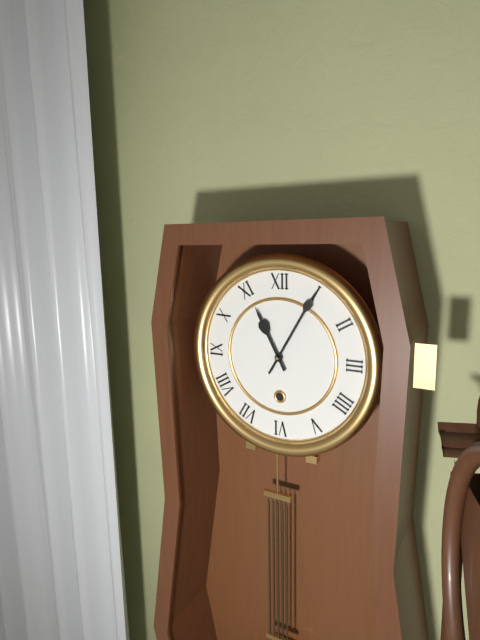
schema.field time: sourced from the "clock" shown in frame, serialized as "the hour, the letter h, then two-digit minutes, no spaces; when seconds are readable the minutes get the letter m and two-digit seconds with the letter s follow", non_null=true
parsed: 11h05
